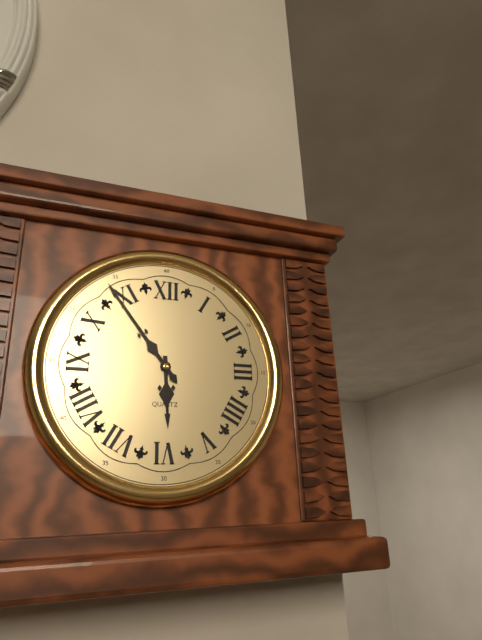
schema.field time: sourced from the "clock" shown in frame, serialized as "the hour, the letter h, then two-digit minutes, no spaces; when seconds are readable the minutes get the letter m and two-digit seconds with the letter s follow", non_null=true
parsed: 5h54
